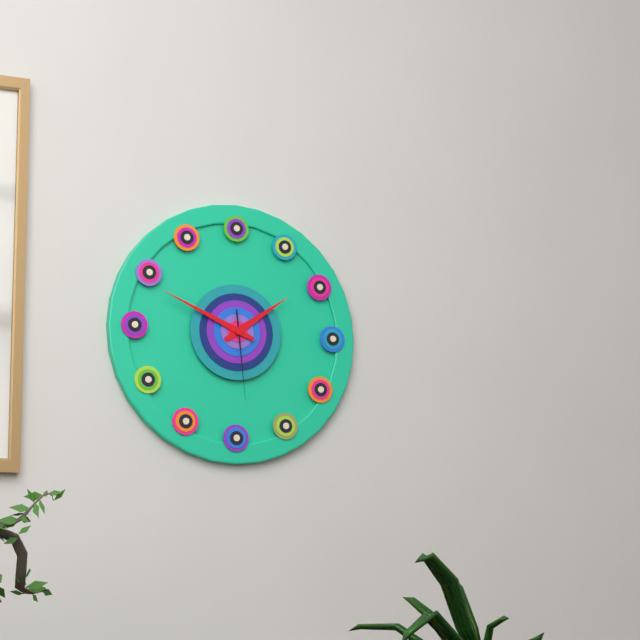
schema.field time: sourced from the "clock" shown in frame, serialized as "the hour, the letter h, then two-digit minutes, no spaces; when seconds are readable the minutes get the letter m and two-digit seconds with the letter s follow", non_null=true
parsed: 1h49m29s
